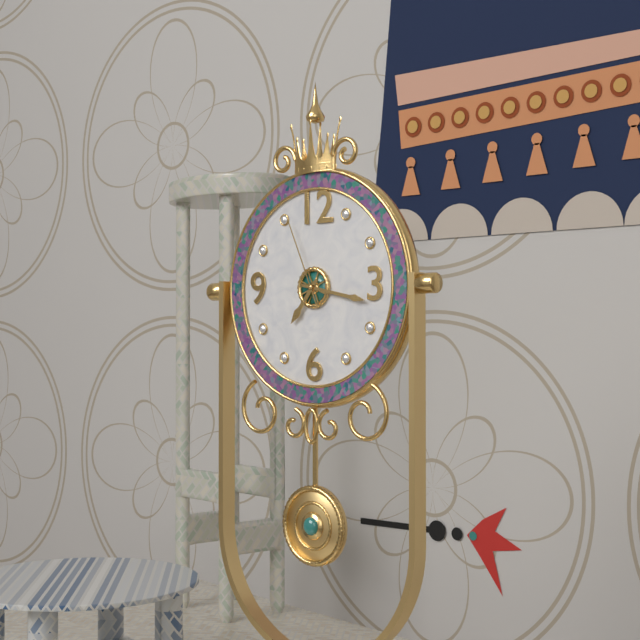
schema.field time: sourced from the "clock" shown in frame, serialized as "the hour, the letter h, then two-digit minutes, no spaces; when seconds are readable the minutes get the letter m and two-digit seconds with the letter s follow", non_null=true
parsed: 7h17m56s
